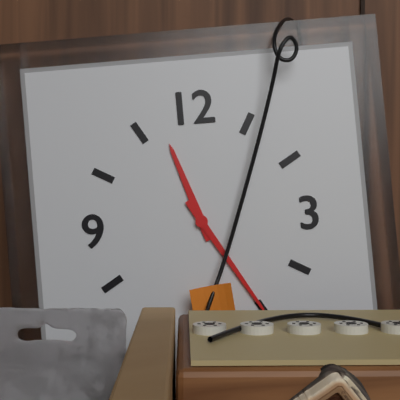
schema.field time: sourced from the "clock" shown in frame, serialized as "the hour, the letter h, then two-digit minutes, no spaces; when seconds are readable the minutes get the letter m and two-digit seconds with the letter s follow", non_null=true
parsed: 11h25
